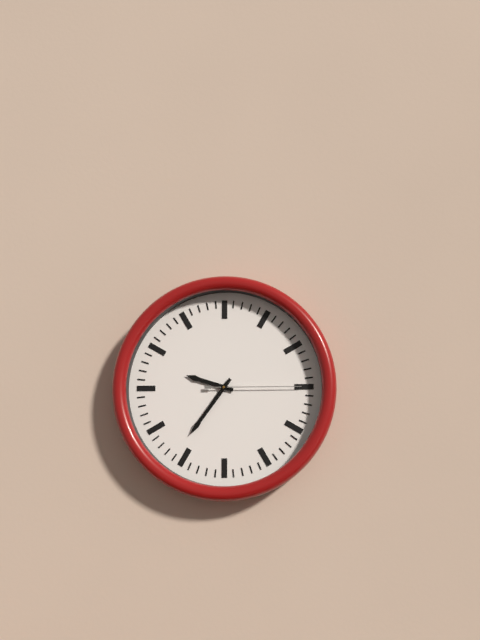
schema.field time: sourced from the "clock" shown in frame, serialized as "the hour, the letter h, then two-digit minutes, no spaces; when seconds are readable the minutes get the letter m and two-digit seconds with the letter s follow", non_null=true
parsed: 9h36m15s
